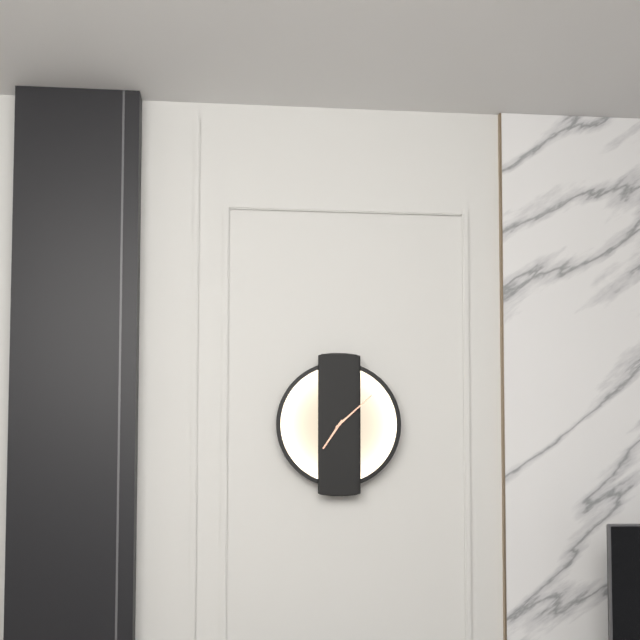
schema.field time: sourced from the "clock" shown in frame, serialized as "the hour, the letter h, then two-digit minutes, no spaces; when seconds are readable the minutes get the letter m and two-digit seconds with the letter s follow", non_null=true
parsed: 7h08
